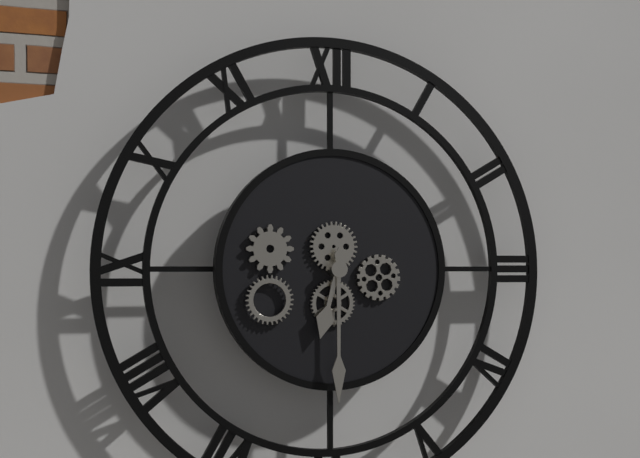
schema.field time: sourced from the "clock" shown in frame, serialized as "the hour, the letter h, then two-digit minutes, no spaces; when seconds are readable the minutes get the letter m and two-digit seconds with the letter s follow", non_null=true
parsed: 6h30
